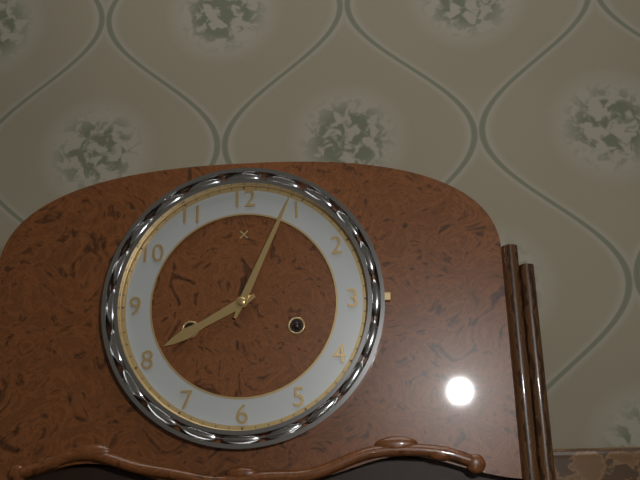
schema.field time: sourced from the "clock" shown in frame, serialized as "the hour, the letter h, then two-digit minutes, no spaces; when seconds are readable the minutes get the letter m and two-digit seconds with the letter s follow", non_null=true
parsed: 8h04
